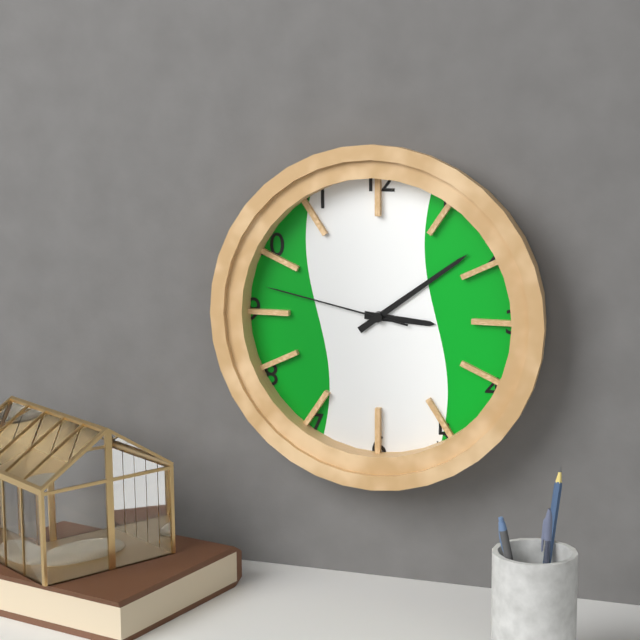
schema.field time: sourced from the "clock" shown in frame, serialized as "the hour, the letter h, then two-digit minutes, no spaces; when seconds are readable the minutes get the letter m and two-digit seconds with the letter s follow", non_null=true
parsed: 3h09m47s
